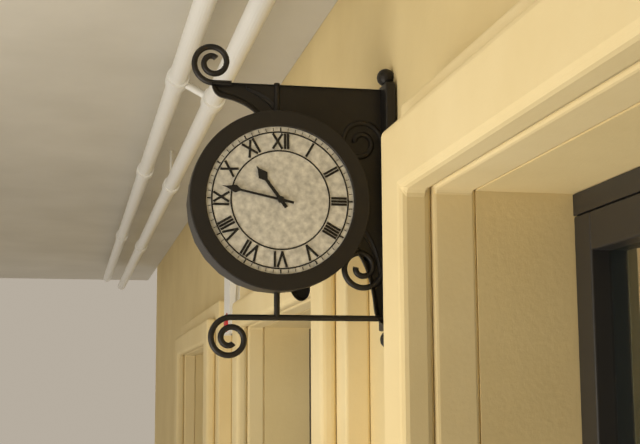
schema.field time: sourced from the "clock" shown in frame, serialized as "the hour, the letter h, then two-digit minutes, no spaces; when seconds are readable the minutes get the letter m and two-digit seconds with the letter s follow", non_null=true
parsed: 10h47
